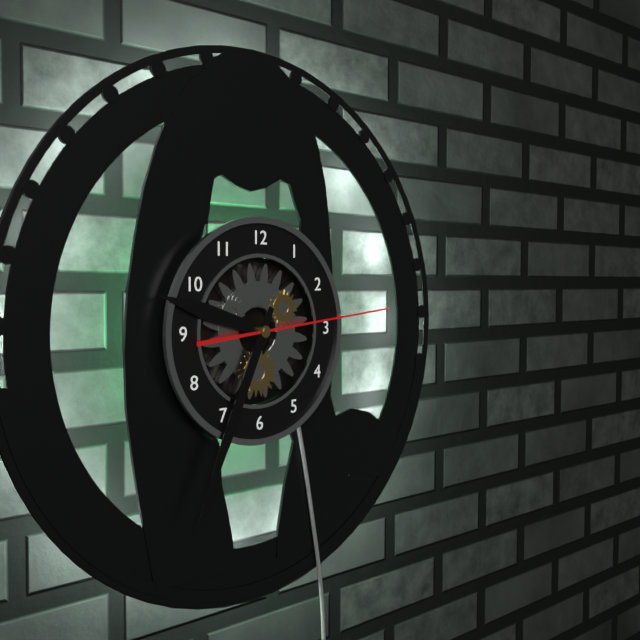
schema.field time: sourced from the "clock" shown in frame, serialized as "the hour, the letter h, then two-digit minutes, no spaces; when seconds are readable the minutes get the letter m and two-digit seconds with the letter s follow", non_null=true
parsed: 9h34m14s
